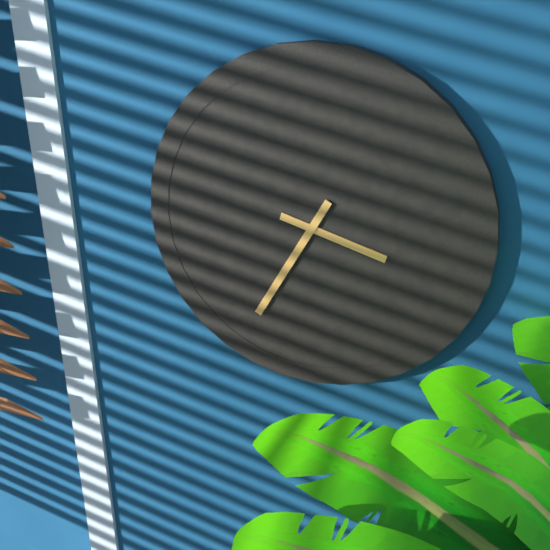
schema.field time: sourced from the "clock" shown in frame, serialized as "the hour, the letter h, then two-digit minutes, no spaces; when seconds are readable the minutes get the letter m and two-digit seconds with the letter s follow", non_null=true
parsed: 3h35
